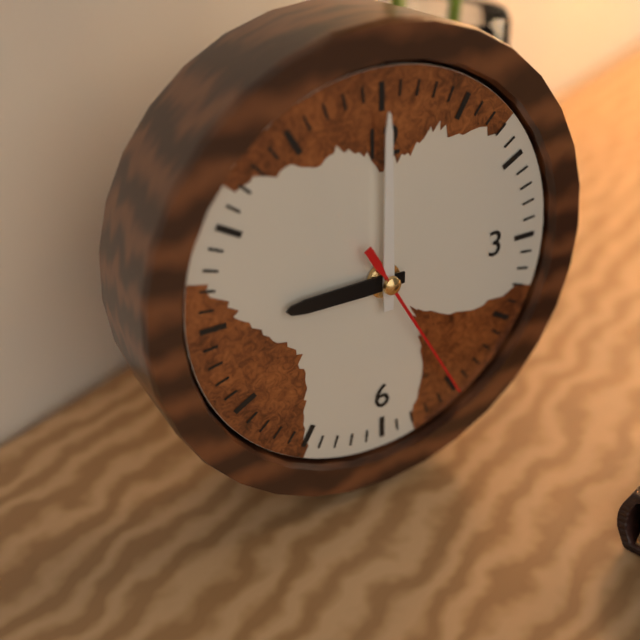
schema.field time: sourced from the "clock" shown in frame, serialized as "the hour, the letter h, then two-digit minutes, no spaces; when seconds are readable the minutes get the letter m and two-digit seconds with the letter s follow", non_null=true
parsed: 9h00m25s
